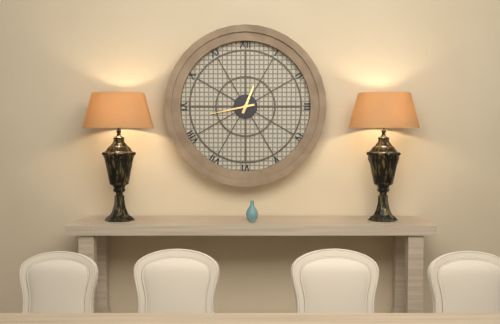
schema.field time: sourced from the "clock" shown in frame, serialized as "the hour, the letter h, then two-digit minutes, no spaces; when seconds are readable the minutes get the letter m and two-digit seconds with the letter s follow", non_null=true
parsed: 12h43
